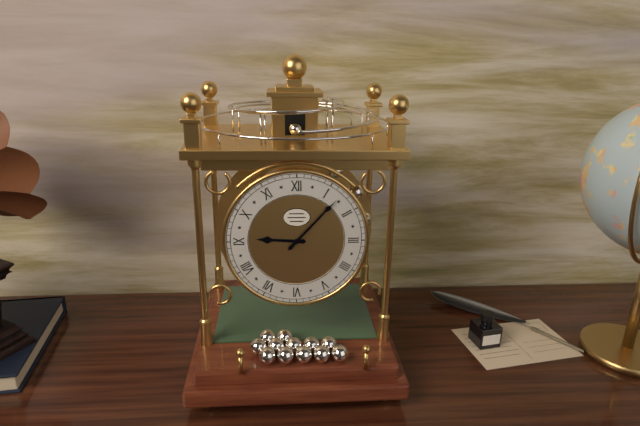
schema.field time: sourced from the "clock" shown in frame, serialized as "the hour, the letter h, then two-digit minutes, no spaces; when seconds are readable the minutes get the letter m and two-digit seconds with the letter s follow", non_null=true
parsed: 9h07
